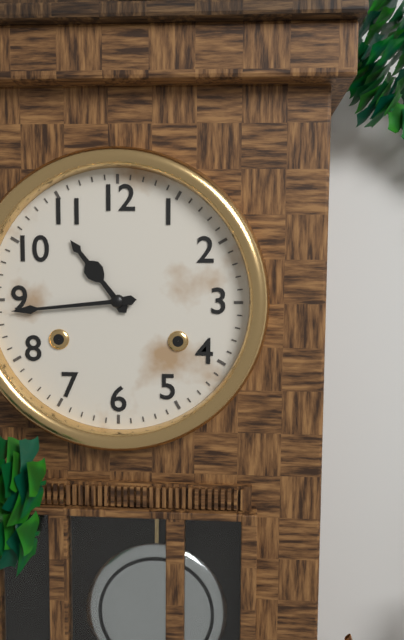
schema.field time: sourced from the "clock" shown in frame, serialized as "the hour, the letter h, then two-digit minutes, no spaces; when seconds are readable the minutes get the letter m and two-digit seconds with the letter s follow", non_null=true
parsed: 10h44
